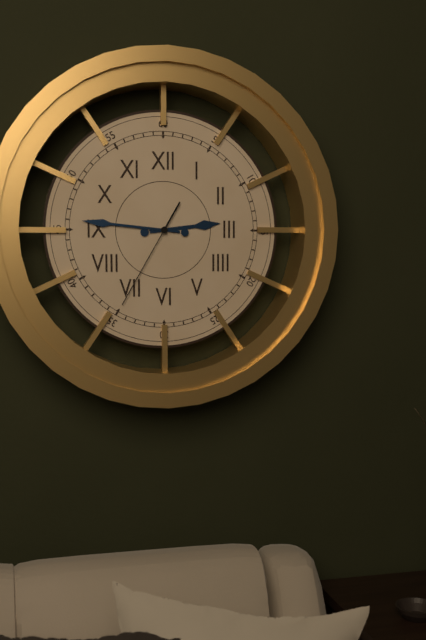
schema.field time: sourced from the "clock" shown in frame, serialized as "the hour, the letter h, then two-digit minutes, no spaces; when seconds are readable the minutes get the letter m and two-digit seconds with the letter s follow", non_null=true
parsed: 2h46m35s
